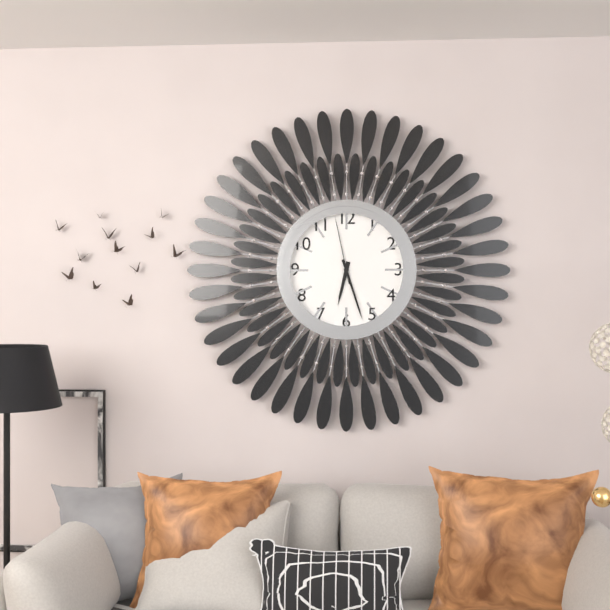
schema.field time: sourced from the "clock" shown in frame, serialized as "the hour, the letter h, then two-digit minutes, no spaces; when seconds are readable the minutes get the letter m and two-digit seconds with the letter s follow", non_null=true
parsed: 6h27m58s
